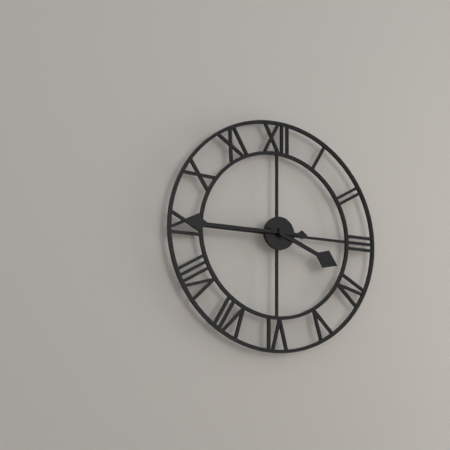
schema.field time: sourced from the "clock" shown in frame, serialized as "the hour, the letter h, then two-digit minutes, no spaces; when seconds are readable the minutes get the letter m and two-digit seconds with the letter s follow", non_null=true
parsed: 3h45
